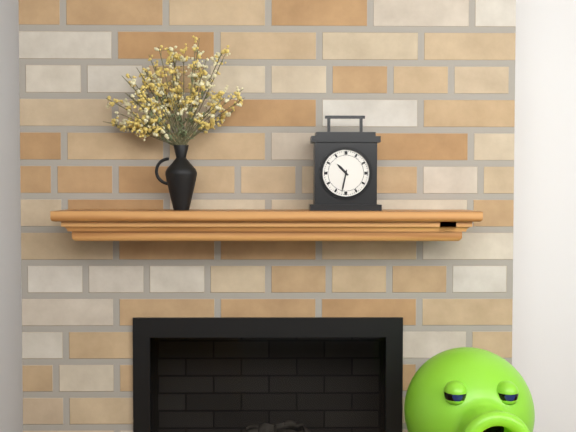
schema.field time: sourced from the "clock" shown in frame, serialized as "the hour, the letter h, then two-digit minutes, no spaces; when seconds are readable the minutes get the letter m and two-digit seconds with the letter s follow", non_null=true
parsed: 10h32
